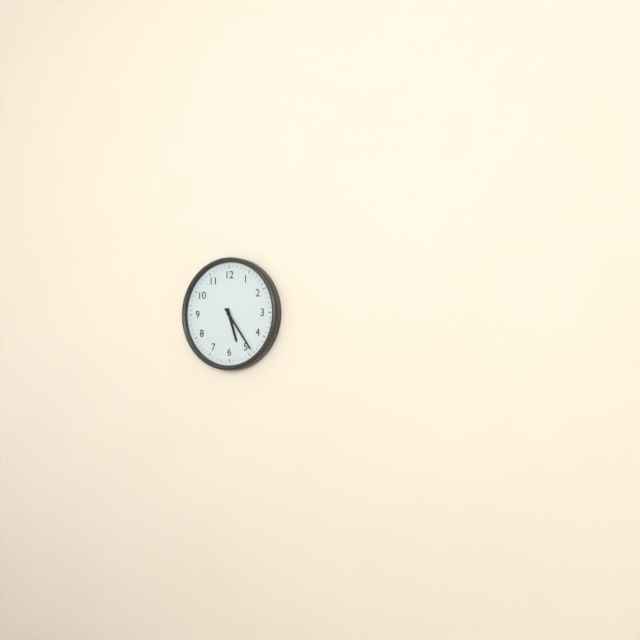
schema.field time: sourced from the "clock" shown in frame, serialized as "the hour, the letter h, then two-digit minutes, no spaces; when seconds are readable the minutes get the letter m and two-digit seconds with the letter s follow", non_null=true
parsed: 5h24
